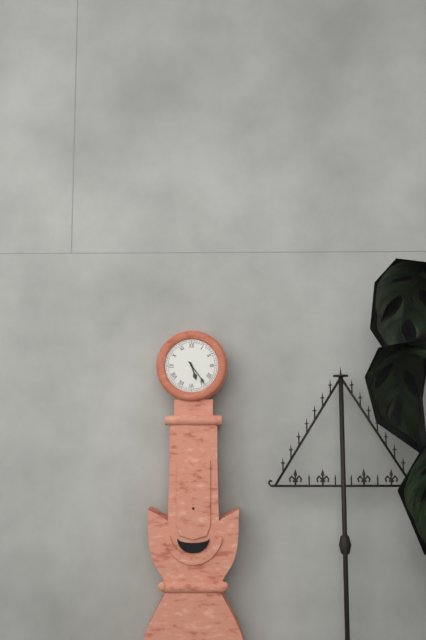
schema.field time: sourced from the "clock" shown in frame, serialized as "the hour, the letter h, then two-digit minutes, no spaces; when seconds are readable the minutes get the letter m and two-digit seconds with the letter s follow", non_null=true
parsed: 5h24
